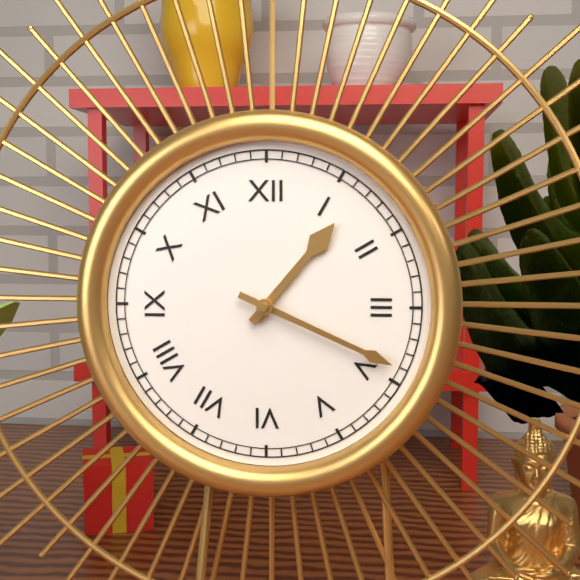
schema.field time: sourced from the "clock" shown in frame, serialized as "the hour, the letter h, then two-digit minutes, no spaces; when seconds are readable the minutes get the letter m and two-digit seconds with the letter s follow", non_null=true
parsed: 1h19
